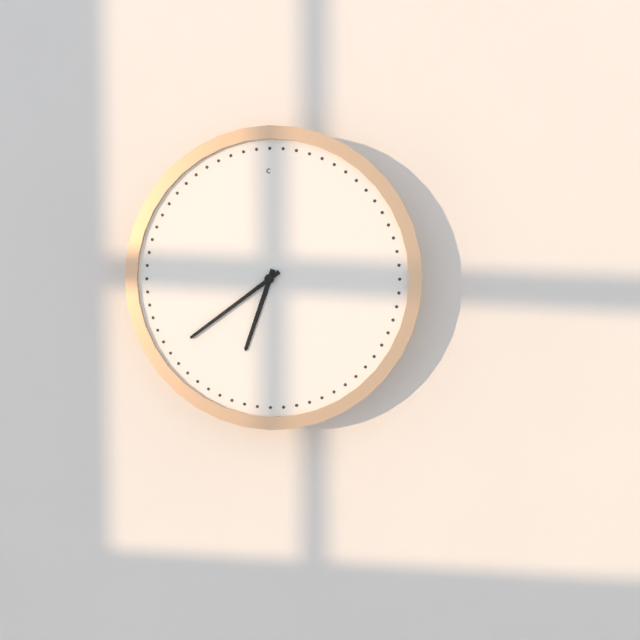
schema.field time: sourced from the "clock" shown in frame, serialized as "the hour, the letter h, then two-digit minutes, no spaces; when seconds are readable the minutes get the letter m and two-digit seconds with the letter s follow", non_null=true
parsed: 6h39
